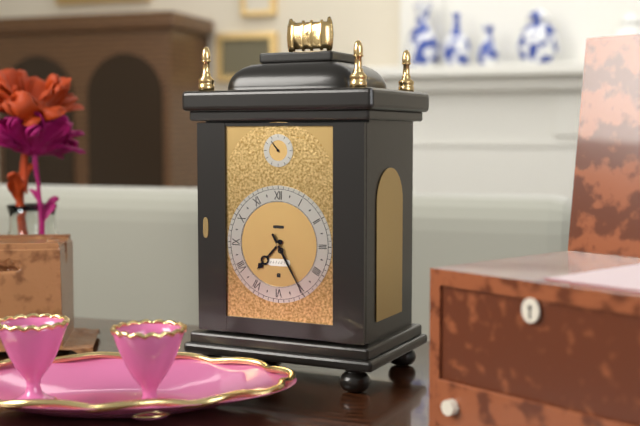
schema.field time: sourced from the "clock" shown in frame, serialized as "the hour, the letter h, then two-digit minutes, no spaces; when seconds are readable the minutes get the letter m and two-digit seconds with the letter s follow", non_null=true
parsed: 7h25
